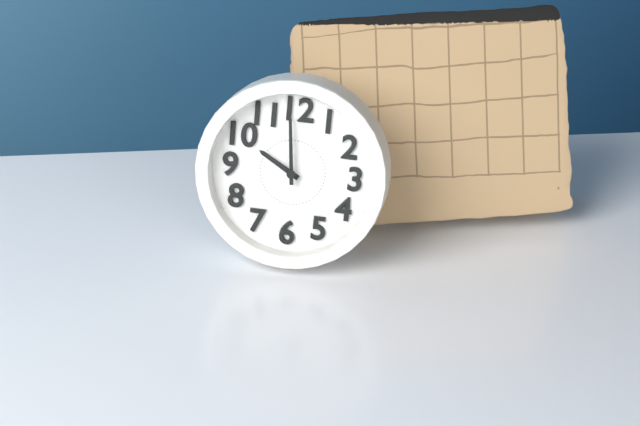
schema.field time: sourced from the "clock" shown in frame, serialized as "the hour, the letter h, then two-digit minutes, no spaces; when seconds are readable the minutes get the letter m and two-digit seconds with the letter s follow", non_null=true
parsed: 9h59
